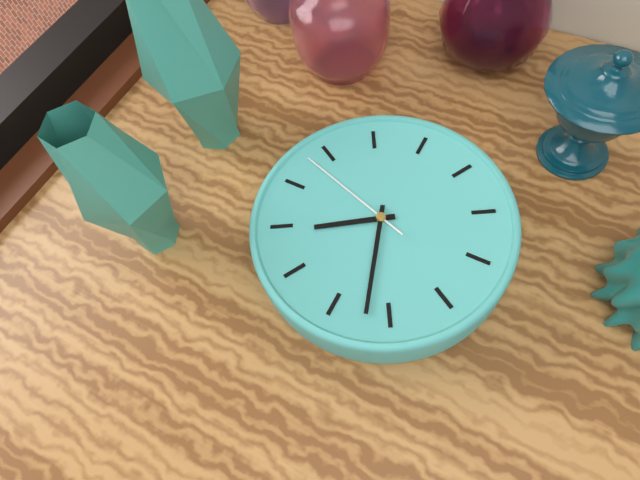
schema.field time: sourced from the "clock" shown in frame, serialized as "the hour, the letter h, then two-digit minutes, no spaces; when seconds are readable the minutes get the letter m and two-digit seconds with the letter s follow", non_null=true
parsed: 12h52m13s
